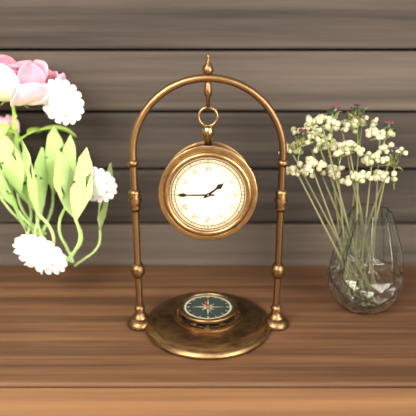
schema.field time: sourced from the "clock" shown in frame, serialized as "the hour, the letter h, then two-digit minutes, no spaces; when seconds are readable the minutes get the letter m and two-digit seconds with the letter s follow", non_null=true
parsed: 1h45
